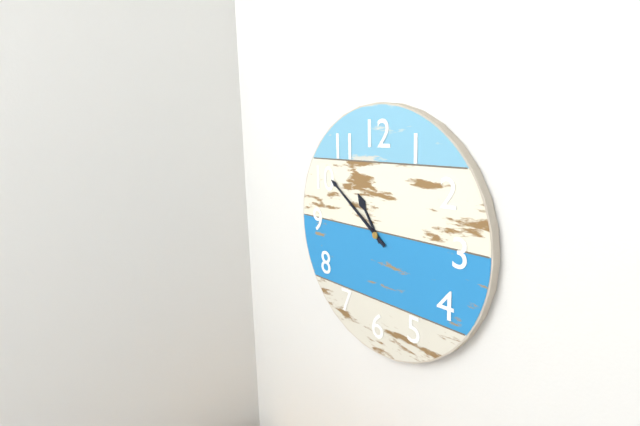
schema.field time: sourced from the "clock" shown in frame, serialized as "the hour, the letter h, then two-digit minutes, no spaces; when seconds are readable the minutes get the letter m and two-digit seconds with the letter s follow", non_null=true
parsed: 10h51
